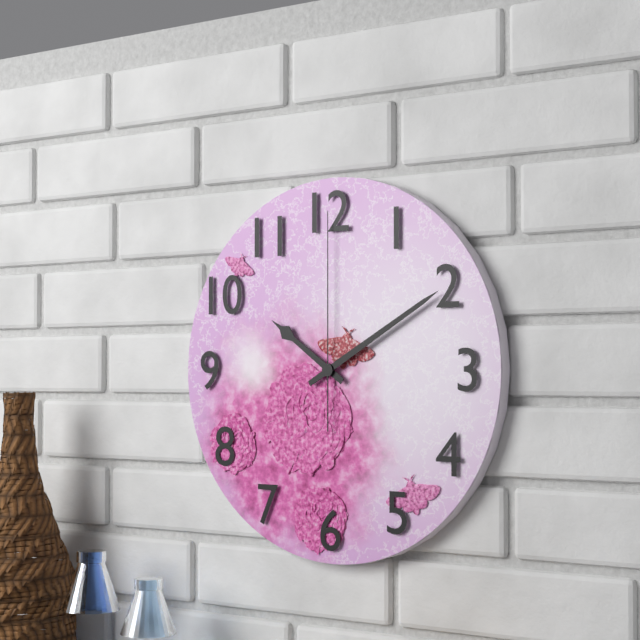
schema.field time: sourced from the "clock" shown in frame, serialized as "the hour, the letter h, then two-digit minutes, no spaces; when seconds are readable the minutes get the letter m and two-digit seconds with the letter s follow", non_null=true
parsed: 10h10m00s
